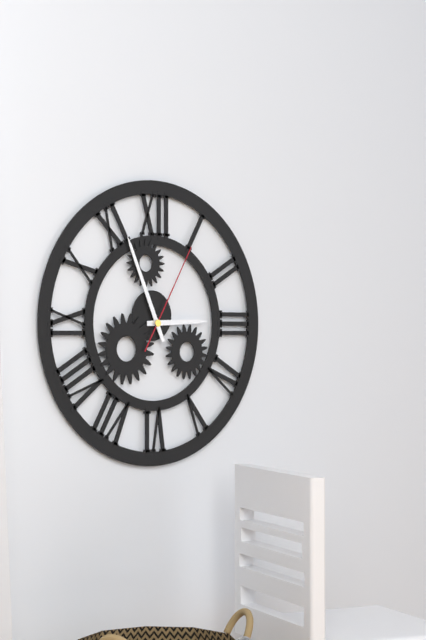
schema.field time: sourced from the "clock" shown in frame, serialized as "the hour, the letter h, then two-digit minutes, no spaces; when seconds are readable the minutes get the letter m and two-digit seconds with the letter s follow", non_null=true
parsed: 2h56m05s
